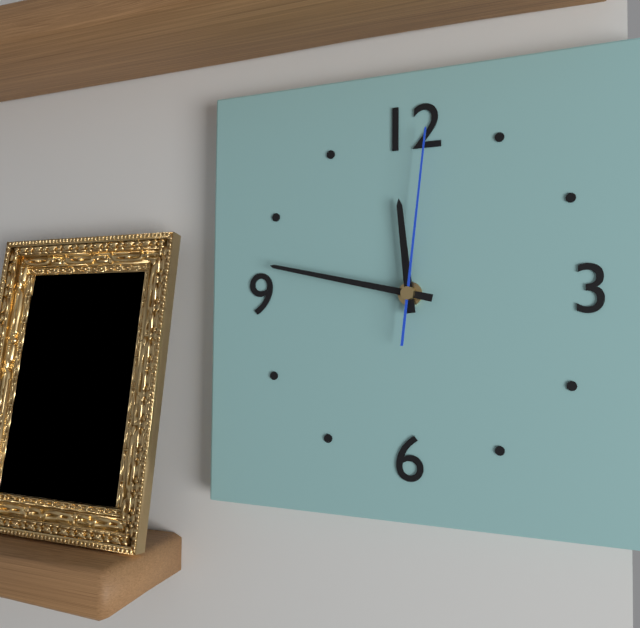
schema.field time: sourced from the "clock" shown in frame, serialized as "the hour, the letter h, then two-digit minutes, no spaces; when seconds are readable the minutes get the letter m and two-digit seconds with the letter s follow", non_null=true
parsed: 11h47m01s
